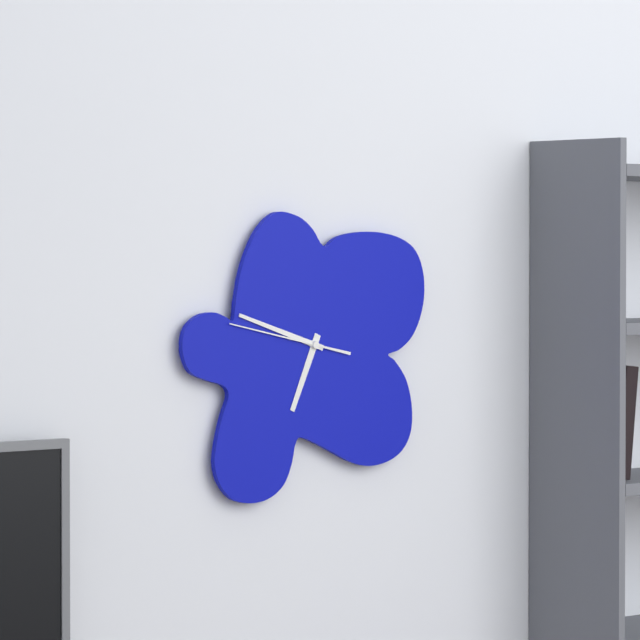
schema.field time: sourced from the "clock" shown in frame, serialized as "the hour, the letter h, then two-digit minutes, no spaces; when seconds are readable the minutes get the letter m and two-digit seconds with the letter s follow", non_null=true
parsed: 6h48m47s
